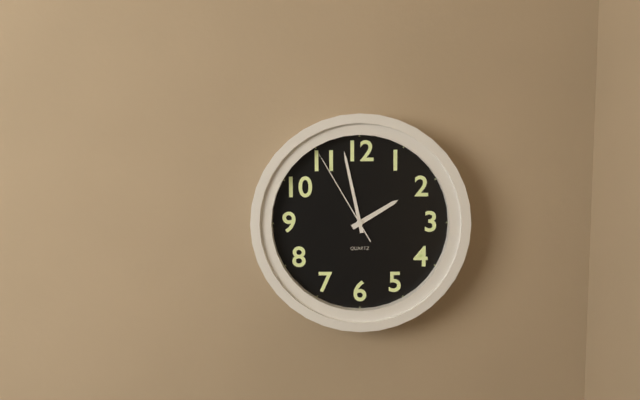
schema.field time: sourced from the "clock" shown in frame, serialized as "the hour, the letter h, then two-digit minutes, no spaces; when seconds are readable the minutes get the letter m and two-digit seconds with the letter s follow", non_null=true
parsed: 1h58m55s
